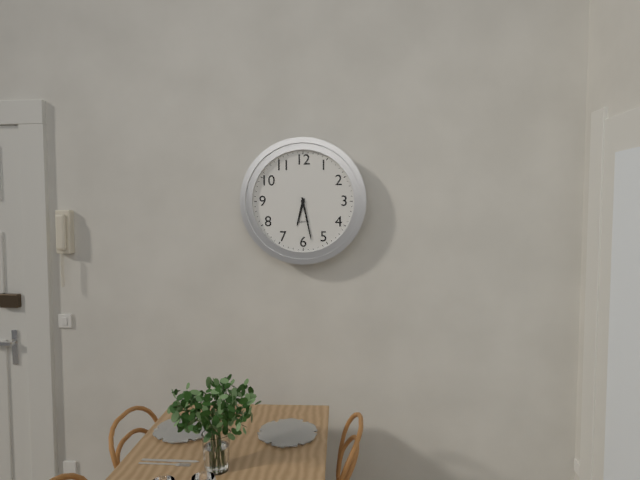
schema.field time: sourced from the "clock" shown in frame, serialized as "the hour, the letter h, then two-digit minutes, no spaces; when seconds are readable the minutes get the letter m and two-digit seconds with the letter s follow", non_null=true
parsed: 6h28
